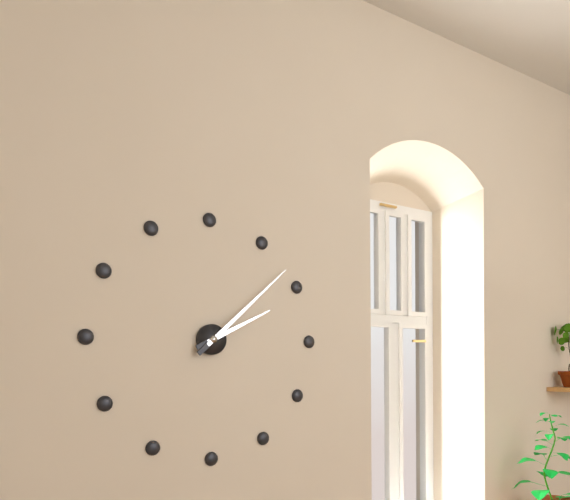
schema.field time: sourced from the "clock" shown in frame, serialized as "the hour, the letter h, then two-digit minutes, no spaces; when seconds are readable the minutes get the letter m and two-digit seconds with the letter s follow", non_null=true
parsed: 2h08
